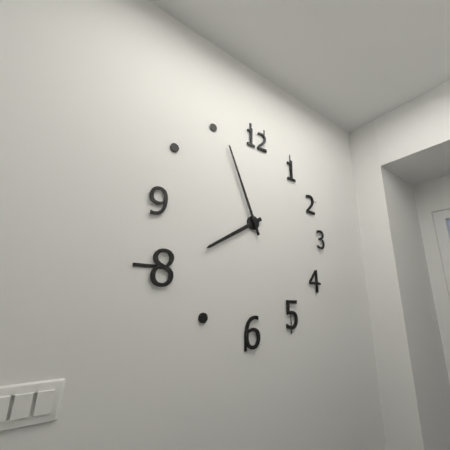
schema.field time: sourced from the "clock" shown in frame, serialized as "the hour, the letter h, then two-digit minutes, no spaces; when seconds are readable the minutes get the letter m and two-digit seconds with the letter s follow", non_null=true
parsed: 7h56
